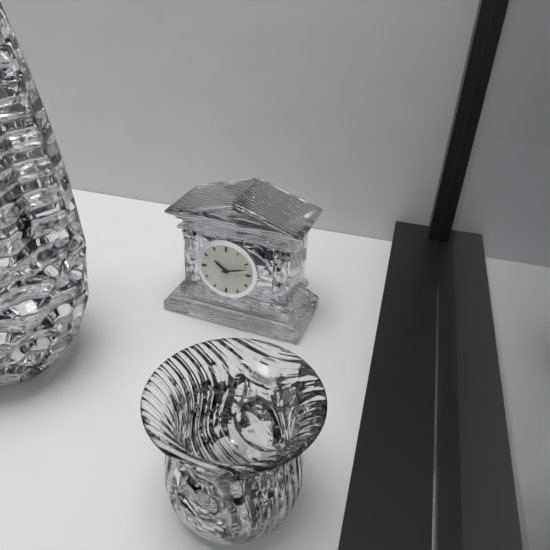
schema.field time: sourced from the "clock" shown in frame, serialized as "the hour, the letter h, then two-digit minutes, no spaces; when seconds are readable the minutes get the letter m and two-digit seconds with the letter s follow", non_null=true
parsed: 10h12
